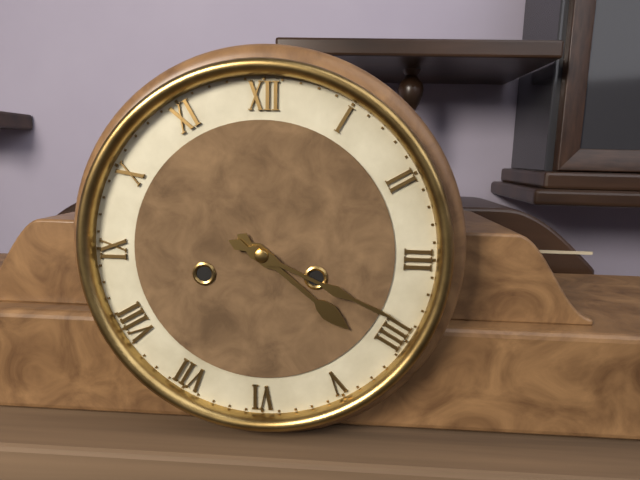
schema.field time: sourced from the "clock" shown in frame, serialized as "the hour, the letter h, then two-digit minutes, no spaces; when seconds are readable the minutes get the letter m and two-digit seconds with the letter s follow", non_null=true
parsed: 4h19
